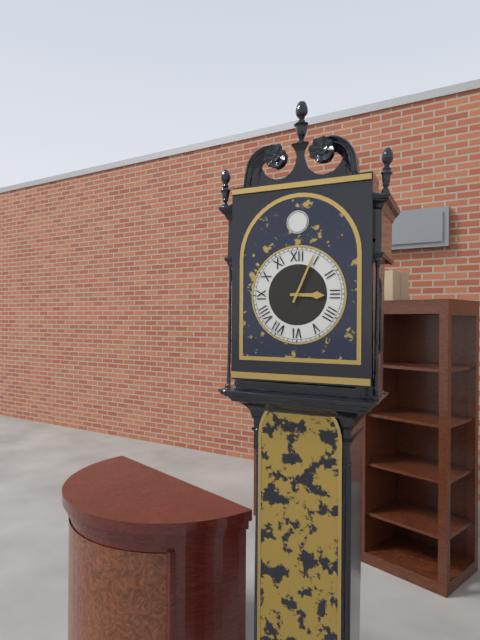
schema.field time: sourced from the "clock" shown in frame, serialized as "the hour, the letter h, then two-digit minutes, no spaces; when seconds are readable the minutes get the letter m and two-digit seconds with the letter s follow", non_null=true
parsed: 3h04
